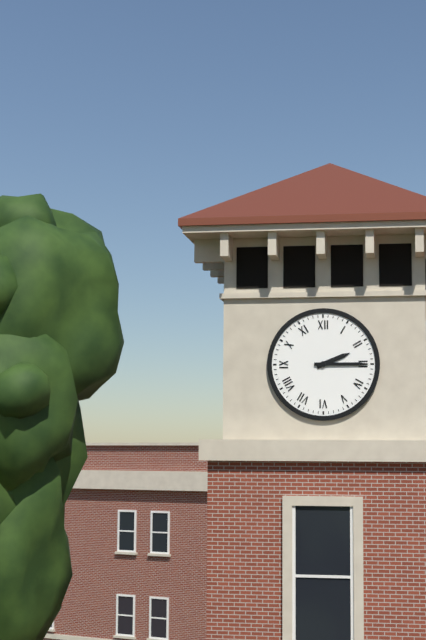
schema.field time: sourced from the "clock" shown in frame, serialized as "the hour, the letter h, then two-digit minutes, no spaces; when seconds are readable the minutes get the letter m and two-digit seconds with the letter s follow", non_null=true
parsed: 2h15
